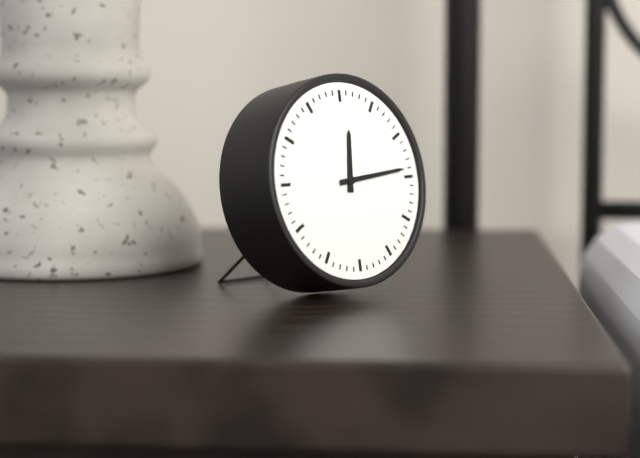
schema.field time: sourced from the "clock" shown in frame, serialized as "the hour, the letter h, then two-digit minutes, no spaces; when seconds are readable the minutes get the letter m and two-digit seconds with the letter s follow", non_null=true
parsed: 12h14
